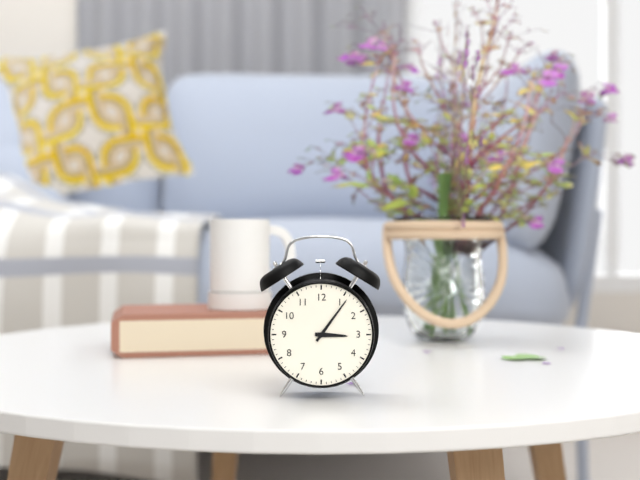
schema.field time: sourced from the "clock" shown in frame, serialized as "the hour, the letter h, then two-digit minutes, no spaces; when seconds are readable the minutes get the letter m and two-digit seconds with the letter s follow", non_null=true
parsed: 3h06
